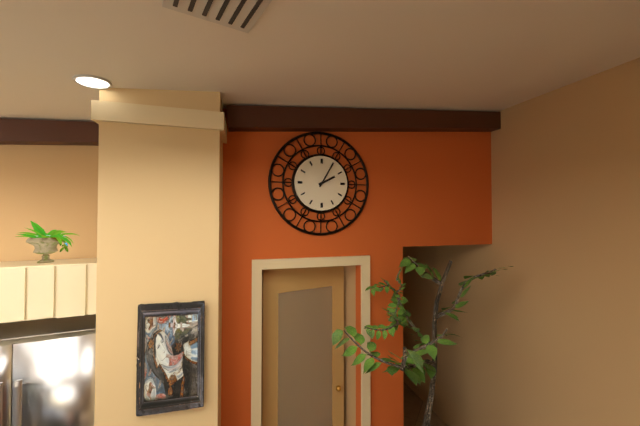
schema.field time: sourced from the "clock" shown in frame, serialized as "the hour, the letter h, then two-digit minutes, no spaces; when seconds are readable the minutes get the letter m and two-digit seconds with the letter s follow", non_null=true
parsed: 2h05
